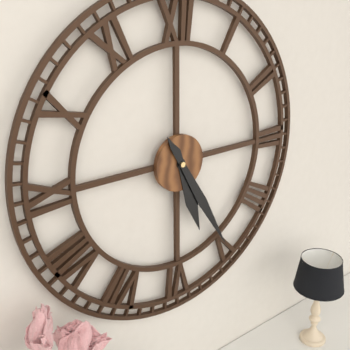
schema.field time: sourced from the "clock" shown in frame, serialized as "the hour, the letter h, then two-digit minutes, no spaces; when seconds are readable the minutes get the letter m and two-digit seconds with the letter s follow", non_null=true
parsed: 5h25
